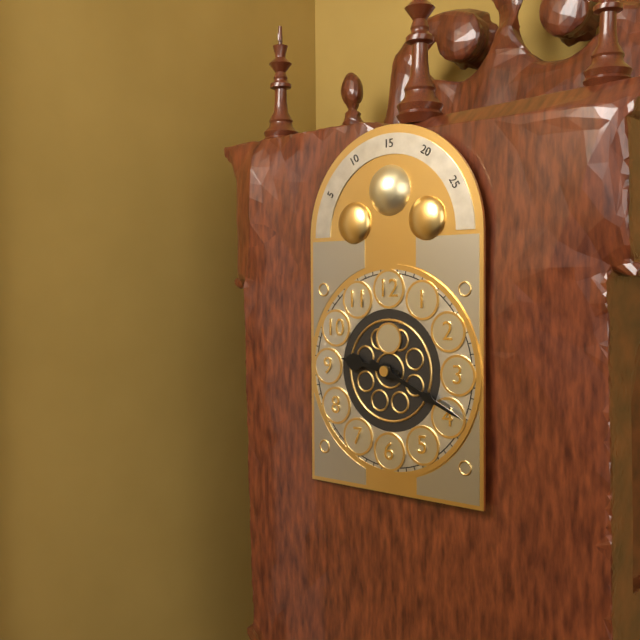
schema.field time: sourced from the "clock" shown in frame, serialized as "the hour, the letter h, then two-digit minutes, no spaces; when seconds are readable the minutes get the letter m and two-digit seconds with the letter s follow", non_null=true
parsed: 9h19
